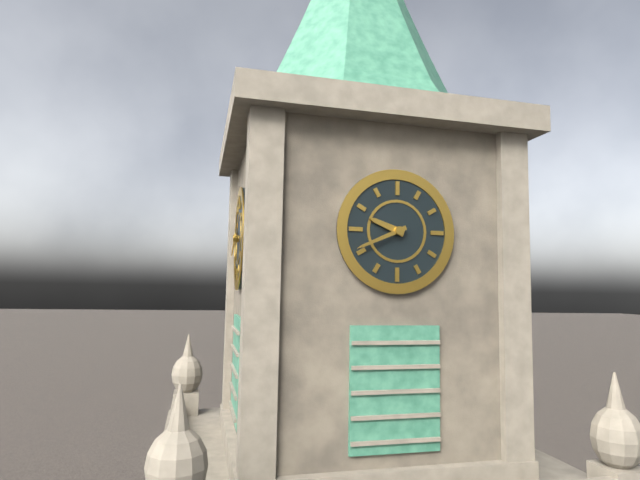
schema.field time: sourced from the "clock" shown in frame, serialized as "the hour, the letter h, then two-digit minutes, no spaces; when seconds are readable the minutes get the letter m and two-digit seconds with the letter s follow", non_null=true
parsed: 9h41
